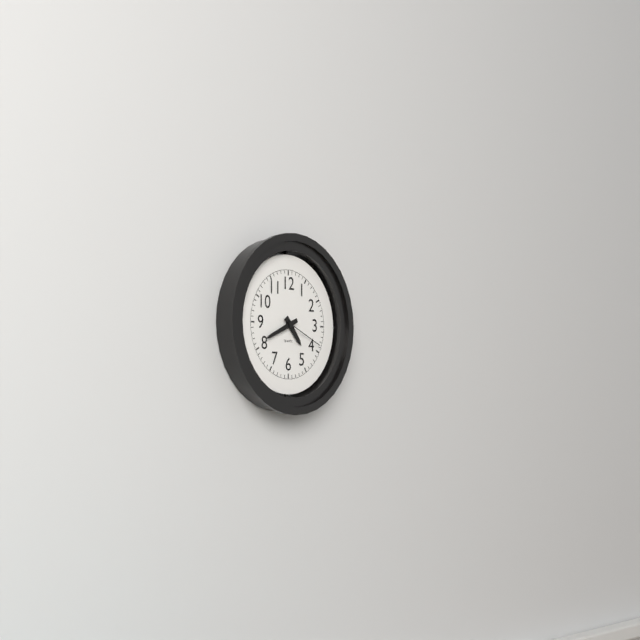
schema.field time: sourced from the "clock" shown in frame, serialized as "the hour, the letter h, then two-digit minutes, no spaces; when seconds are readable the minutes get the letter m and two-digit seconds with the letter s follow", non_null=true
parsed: 4h41
